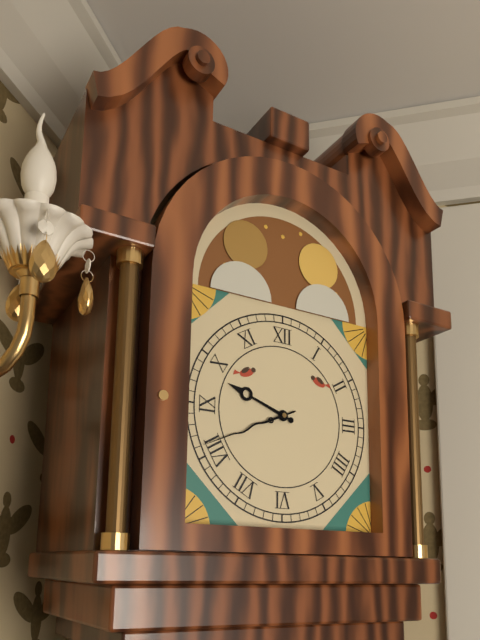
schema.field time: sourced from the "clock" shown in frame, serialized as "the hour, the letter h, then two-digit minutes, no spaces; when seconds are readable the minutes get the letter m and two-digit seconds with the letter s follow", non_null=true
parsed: 9h41
